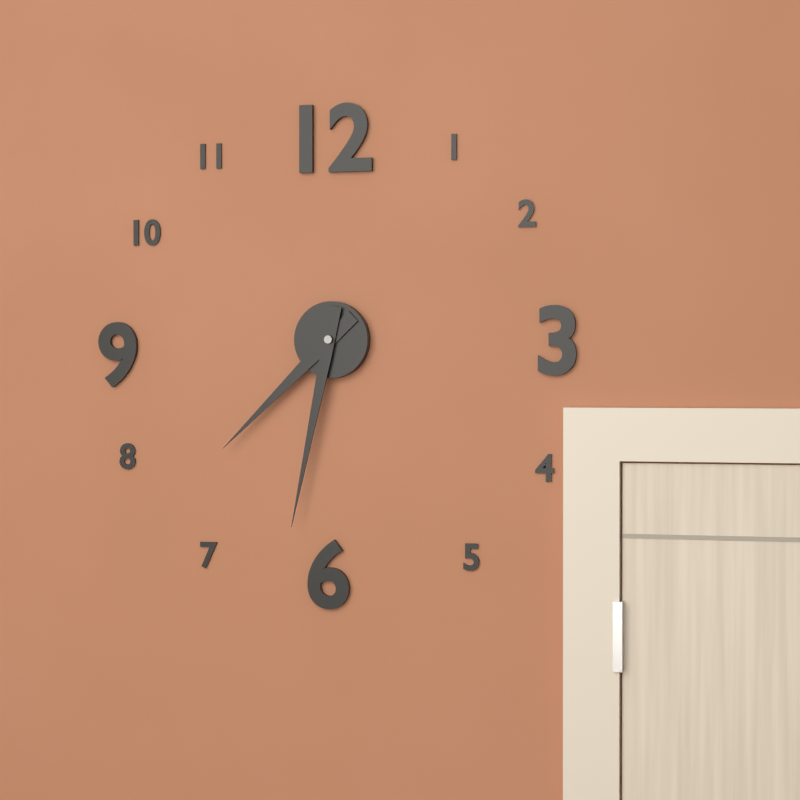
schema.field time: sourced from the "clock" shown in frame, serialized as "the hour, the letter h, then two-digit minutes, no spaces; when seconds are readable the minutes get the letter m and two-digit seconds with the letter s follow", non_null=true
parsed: 7h32
